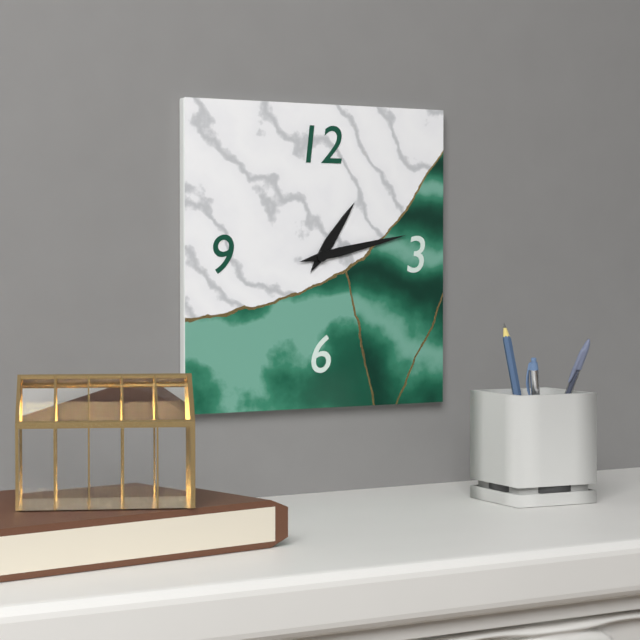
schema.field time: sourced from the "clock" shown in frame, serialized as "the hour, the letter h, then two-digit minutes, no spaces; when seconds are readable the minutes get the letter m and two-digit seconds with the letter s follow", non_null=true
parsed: 1h13
